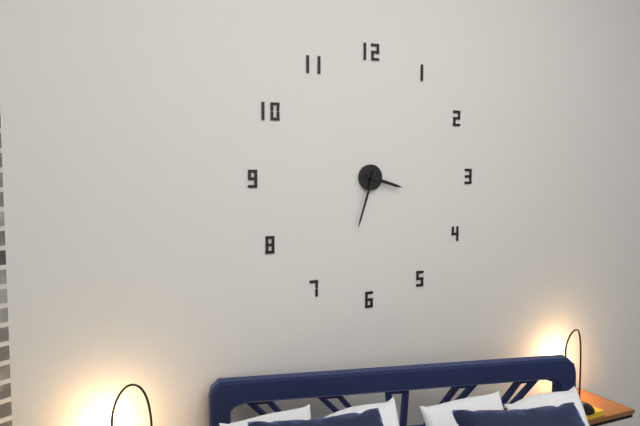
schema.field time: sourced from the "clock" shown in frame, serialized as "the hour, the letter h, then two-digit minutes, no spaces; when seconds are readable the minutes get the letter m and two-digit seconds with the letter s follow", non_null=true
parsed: 3h33
